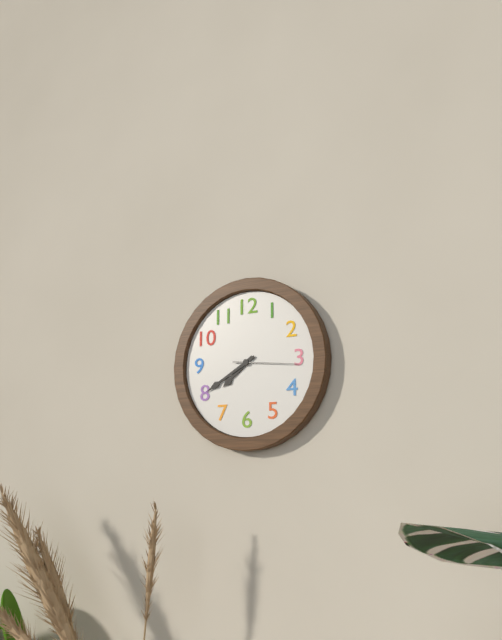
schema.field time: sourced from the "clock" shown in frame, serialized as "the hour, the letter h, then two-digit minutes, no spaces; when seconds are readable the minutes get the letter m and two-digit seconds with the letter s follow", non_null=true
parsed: 7h40m16s
